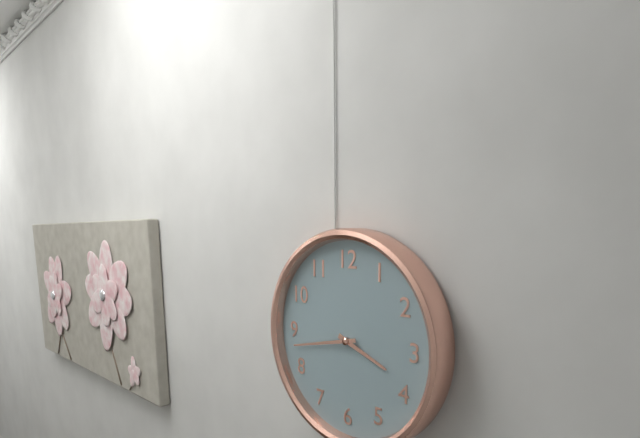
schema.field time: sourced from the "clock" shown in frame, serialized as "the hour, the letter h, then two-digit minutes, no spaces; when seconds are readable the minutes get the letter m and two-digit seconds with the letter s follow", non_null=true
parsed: 3h43
